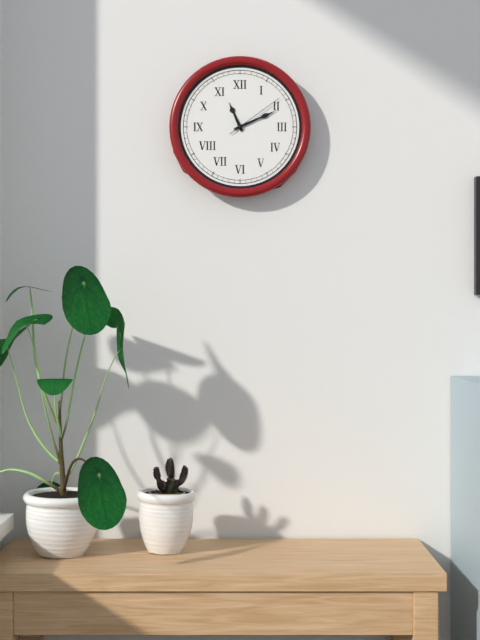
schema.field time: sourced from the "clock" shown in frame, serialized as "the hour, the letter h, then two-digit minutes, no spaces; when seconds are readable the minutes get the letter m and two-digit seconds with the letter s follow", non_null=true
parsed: 11h11m09s
